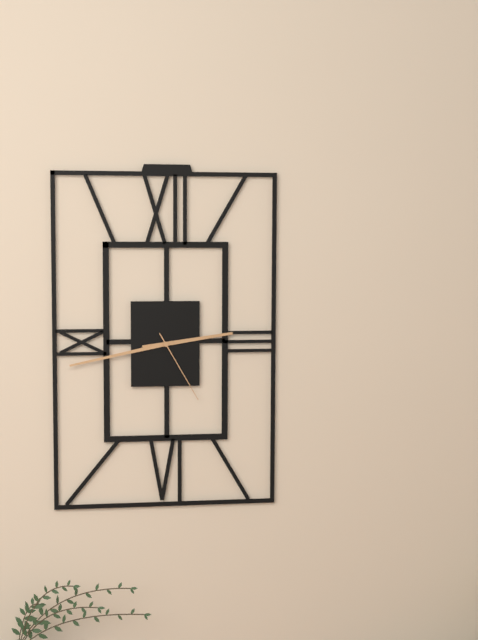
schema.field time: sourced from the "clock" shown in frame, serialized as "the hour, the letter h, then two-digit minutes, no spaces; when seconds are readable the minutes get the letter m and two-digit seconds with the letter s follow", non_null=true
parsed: 2h43m25s
